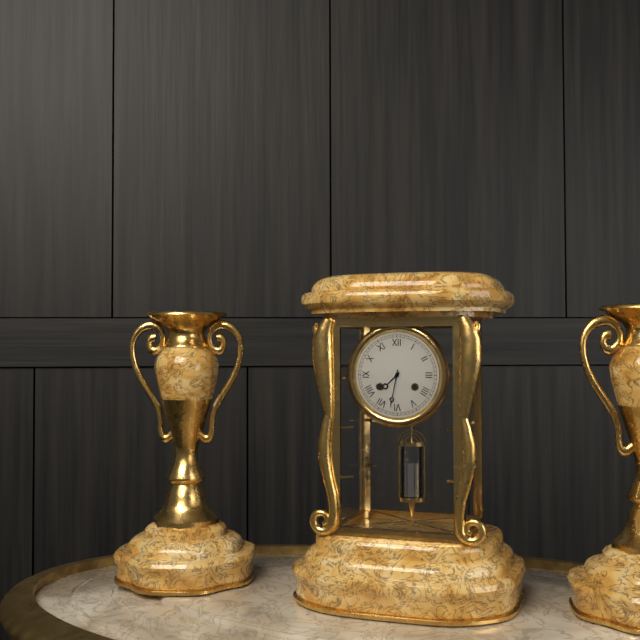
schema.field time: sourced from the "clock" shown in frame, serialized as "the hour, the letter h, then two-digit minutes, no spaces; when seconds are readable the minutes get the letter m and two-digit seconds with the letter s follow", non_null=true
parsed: 7h32
